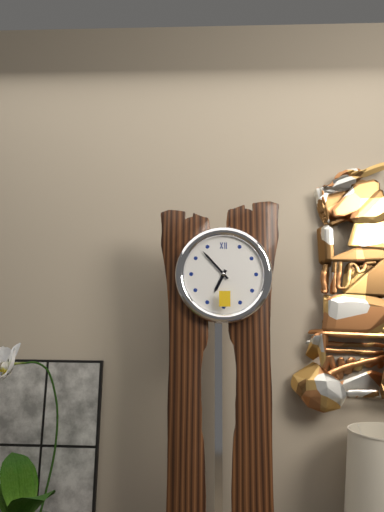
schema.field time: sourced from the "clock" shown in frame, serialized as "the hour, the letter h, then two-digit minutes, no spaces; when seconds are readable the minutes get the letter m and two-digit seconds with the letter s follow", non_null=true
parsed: 6h53
